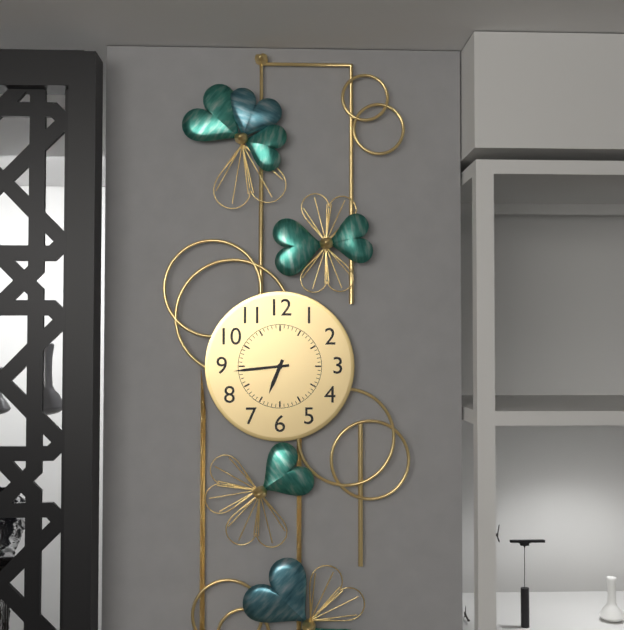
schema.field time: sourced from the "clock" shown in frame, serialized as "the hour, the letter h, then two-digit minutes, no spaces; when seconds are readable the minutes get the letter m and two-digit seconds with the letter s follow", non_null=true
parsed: 6h44
